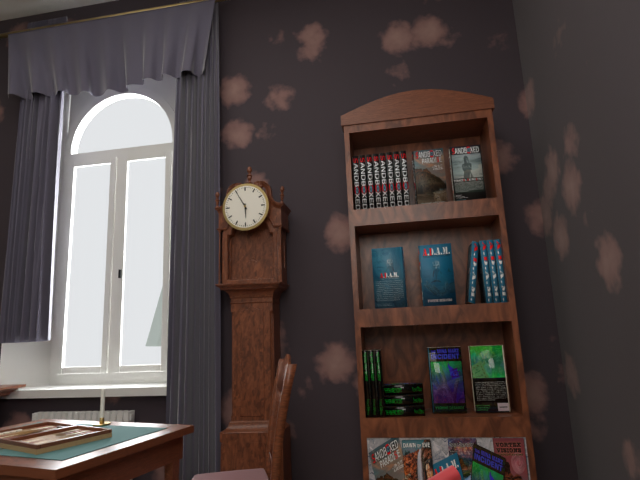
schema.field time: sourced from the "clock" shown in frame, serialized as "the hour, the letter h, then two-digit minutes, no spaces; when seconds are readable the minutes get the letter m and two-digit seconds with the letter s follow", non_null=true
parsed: 5h55
